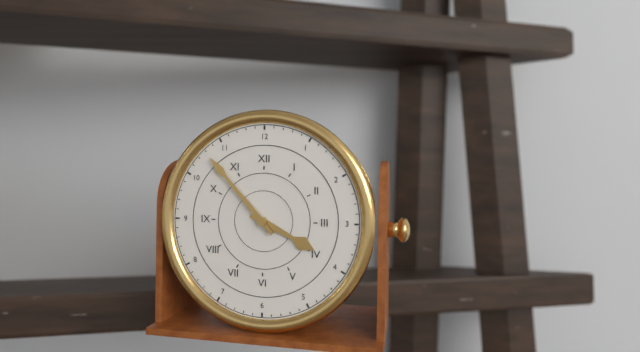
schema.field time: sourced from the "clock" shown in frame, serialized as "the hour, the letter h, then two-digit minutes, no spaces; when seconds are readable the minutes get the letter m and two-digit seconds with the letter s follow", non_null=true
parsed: 3h53
